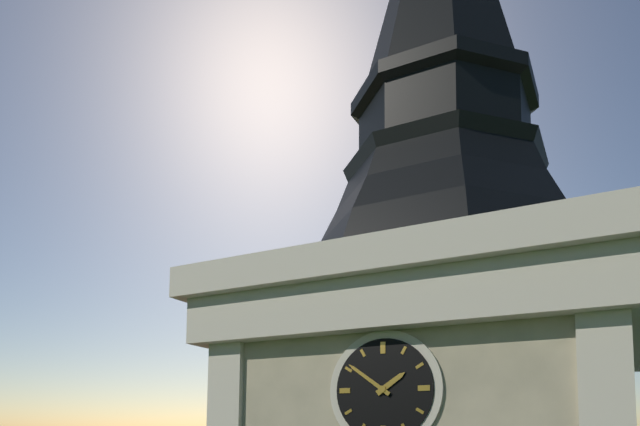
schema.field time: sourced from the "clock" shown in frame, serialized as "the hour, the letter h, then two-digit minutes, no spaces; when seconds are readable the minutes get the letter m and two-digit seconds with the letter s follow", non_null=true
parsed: 1h51
